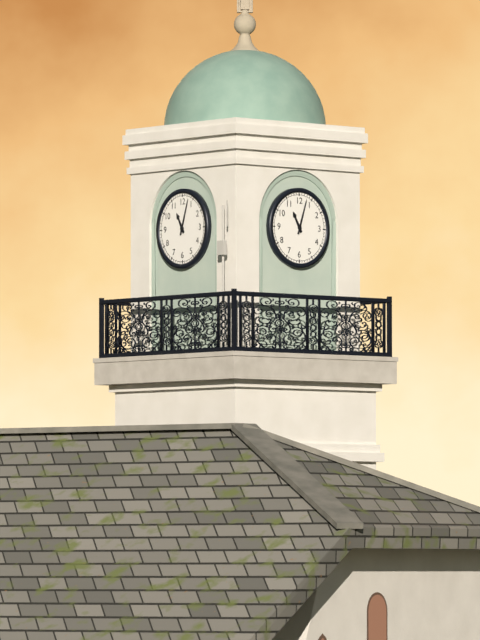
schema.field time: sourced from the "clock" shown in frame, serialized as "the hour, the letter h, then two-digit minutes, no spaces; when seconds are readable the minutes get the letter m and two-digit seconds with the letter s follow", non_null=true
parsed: 11h03
